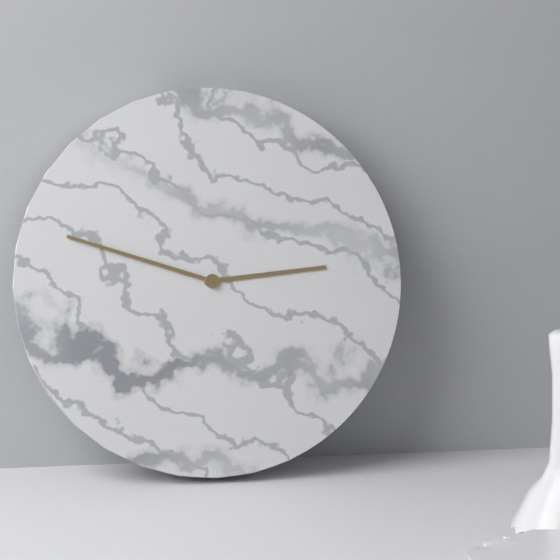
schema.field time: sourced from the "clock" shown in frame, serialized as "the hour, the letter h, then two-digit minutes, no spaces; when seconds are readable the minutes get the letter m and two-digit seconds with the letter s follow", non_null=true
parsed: 2h48
